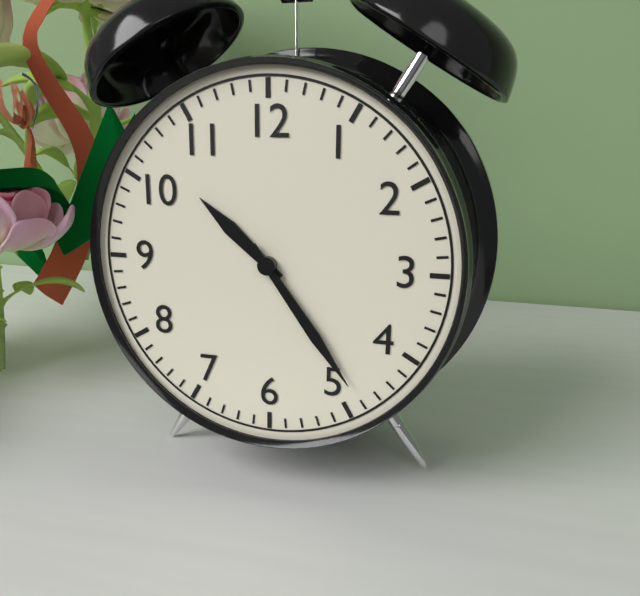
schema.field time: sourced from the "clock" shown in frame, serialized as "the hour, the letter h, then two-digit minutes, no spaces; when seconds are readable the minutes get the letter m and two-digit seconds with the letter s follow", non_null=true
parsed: 10h24
